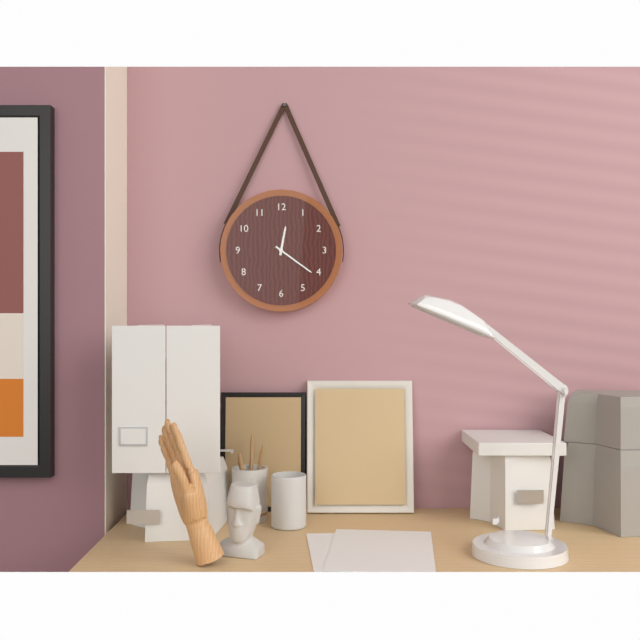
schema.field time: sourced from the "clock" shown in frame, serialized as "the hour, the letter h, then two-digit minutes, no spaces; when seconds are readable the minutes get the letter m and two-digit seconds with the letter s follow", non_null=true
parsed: 12h21
